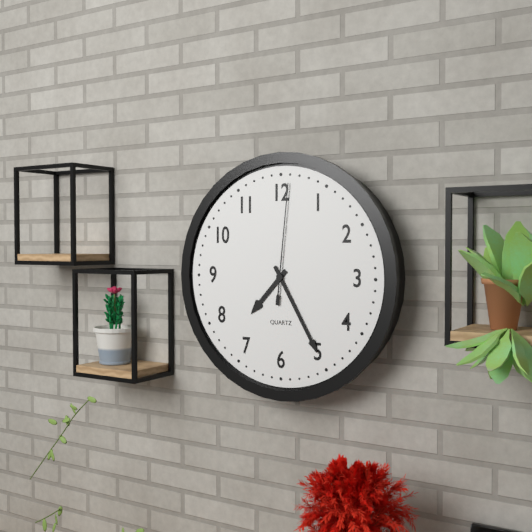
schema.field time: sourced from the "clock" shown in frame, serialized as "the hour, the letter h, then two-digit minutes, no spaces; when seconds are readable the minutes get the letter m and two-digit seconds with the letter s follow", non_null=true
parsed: 7h25m01s
